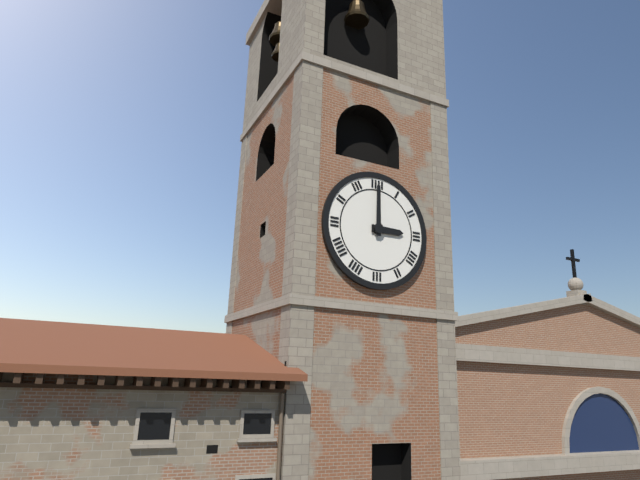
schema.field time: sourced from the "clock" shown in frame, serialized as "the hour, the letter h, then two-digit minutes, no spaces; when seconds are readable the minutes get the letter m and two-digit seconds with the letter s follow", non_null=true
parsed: 3h00
